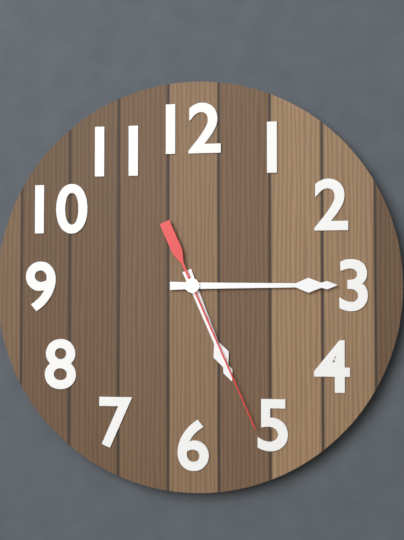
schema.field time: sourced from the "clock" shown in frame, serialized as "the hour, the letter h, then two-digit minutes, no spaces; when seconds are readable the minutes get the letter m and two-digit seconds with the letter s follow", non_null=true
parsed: 5h15m26s
